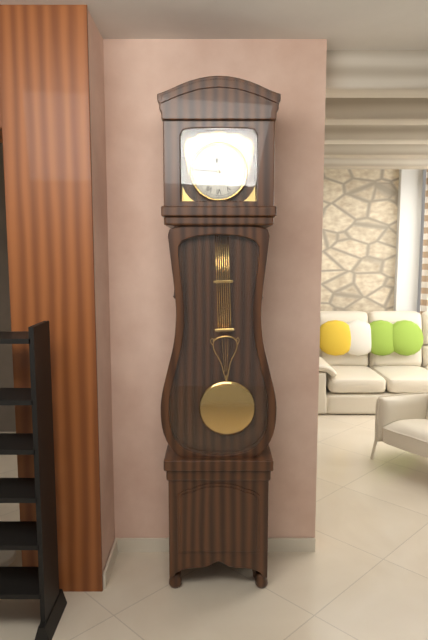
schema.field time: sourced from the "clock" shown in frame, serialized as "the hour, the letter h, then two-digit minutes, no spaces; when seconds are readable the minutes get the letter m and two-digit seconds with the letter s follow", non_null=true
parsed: 11h46
